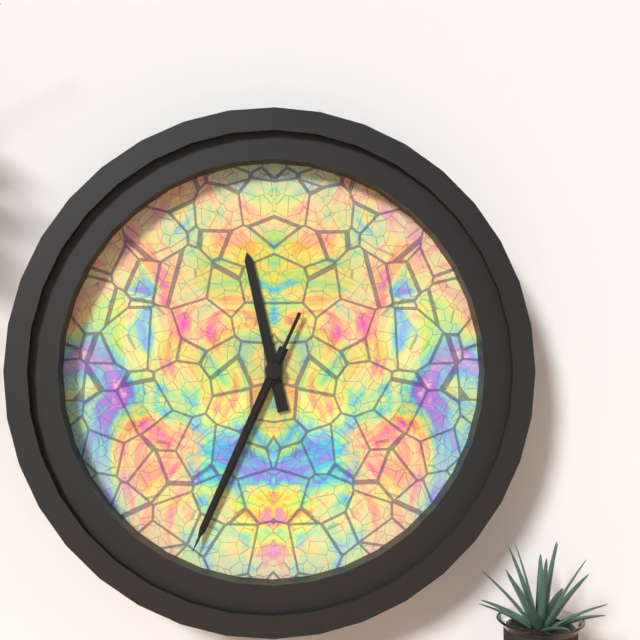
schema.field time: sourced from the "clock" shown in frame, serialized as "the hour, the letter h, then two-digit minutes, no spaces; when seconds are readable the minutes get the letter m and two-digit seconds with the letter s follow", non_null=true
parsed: 11h34m34s
